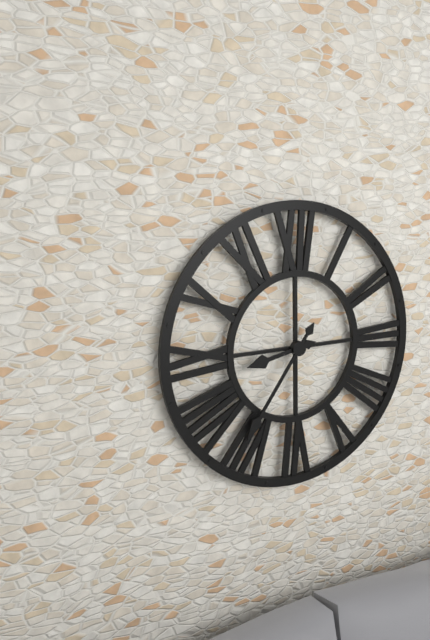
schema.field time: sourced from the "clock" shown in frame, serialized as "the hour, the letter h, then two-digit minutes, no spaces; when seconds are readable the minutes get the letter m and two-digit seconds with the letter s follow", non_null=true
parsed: 8h36
